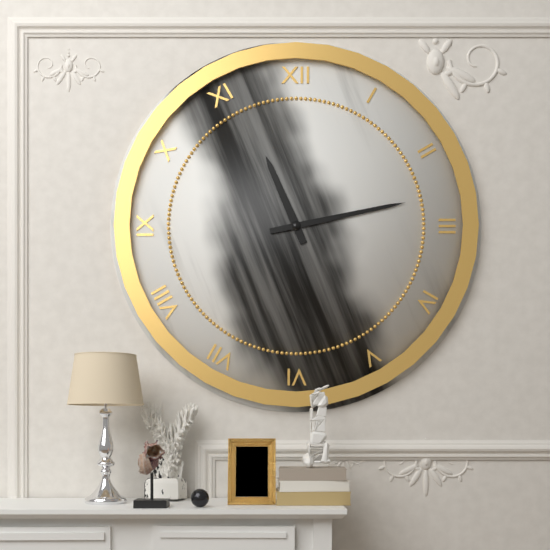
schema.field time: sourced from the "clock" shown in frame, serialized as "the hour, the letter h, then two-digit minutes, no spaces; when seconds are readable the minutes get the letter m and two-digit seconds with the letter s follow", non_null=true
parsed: 11h13
